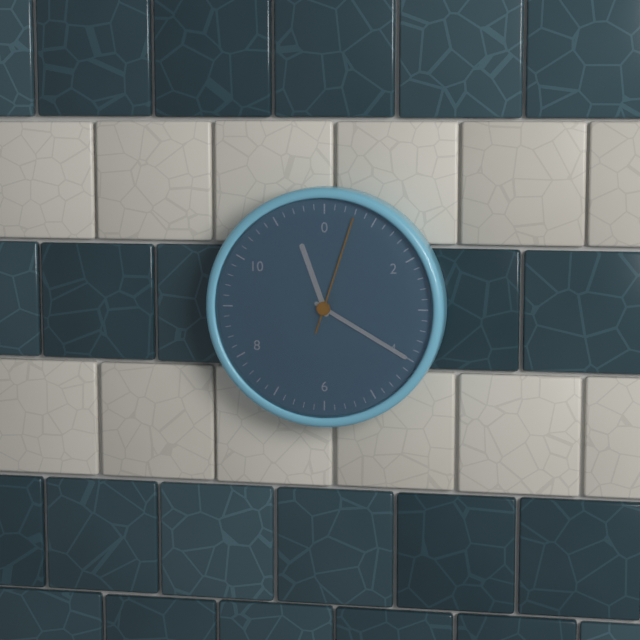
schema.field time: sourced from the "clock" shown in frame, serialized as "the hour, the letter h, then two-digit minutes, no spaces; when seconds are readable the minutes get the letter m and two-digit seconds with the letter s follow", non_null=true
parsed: 11h20m03s
